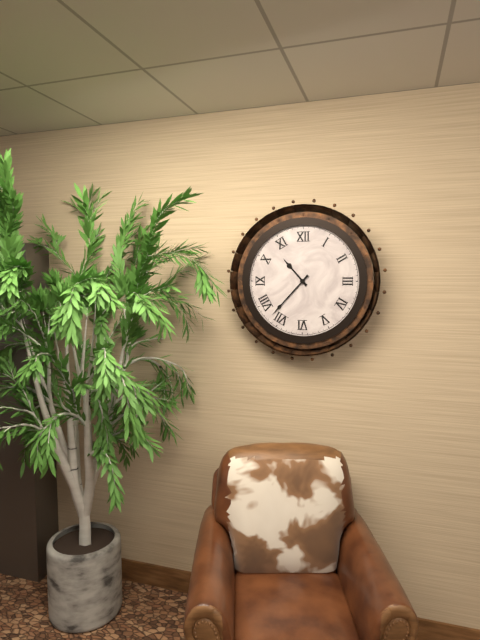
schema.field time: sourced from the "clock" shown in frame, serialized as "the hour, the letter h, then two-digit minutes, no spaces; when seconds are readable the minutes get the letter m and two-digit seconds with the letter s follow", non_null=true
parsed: 10h37
